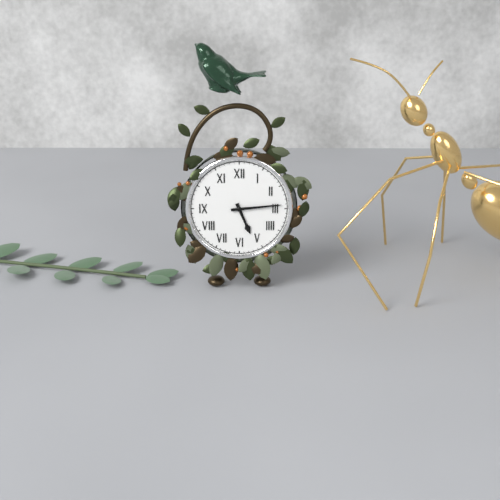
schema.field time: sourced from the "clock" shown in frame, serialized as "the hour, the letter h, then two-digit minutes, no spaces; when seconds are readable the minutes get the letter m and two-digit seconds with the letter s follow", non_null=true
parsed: 5h14
